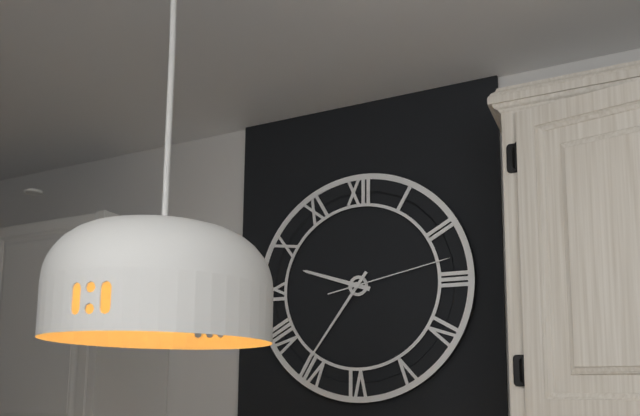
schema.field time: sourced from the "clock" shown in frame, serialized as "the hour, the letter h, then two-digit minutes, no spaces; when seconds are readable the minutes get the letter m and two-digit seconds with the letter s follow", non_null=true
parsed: 9h36m13s
